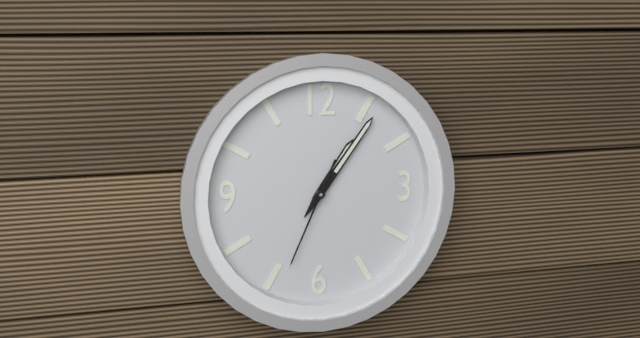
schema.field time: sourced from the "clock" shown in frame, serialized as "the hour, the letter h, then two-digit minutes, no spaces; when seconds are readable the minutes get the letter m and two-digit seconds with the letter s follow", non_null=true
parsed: 1h06m34s
